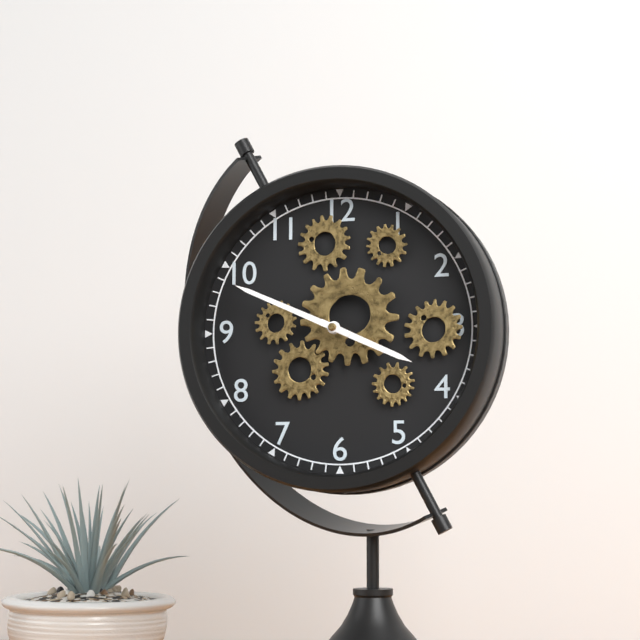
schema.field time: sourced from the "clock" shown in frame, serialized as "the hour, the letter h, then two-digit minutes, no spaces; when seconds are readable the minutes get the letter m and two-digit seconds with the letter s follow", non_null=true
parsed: 3h49
